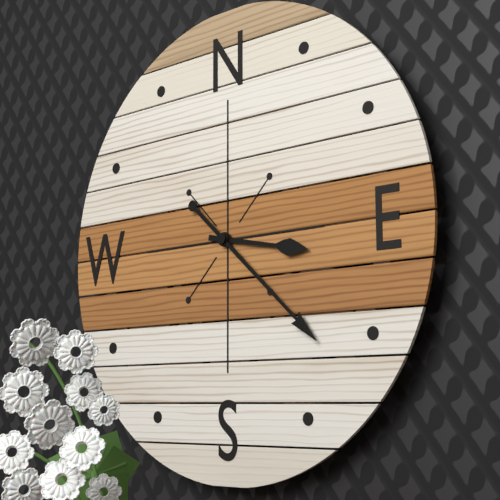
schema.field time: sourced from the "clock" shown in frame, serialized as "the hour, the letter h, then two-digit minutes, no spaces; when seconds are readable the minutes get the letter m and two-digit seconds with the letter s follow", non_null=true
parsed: 3h22
